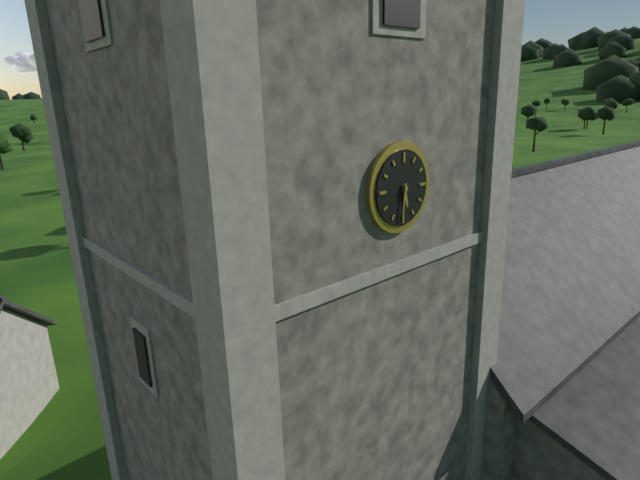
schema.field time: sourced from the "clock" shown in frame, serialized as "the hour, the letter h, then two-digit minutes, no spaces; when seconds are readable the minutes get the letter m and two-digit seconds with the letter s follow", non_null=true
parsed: 5h31
